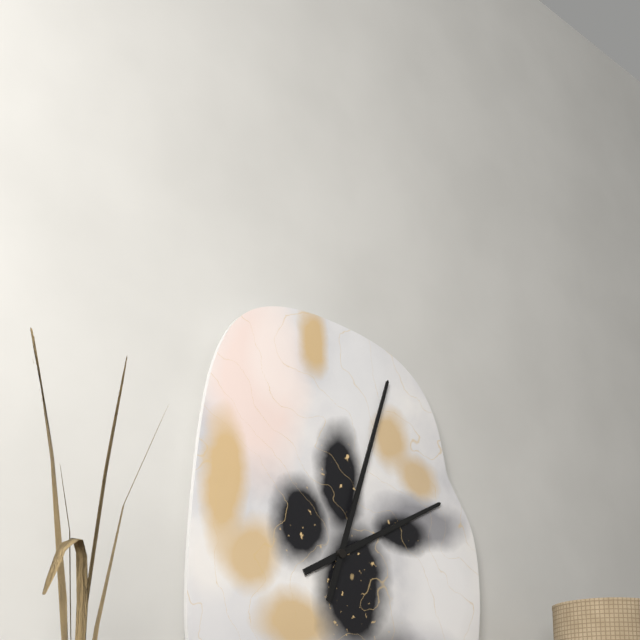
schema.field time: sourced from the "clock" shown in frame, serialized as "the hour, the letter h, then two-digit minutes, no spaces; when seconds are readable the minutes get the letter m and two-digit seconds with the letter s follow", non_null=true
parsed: 2h03
